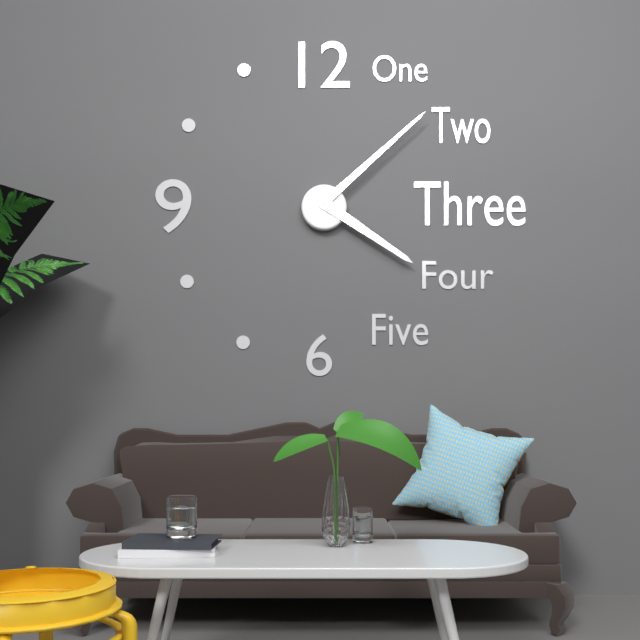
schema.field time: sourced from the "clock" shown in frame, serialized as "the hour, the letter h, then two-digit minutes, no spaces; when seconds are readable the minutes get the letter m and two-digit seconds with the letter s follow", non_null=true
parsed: 4h08
